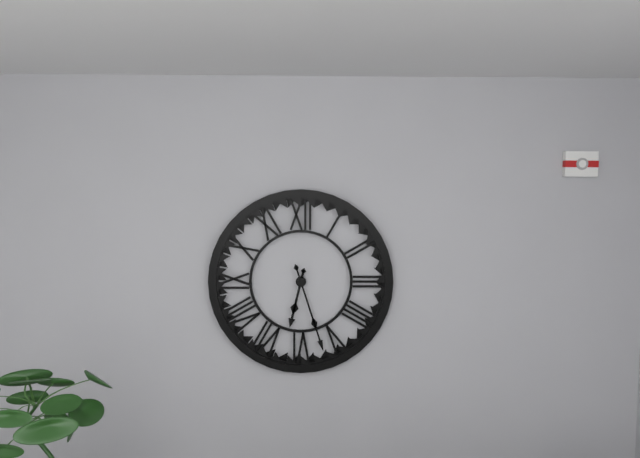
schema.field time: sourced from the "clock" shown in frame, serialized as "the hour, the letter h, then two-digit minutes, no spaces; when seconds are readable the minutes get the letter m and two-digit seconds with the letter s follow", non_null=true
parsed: 6h27
